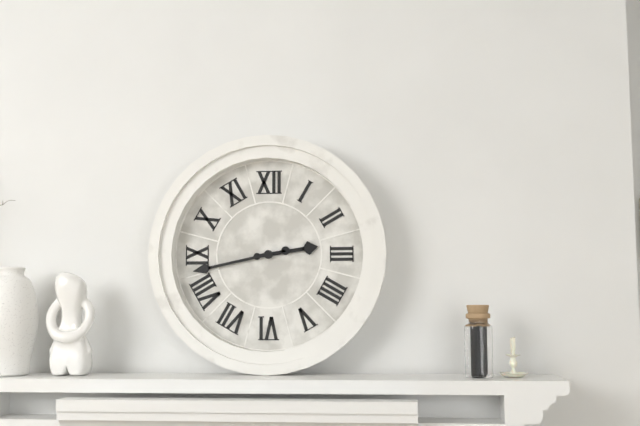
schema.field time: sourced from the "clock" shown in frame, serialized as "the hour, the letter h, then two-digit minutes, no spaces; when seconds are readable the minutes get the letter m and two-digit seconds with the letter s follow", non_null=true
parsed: 2h43
